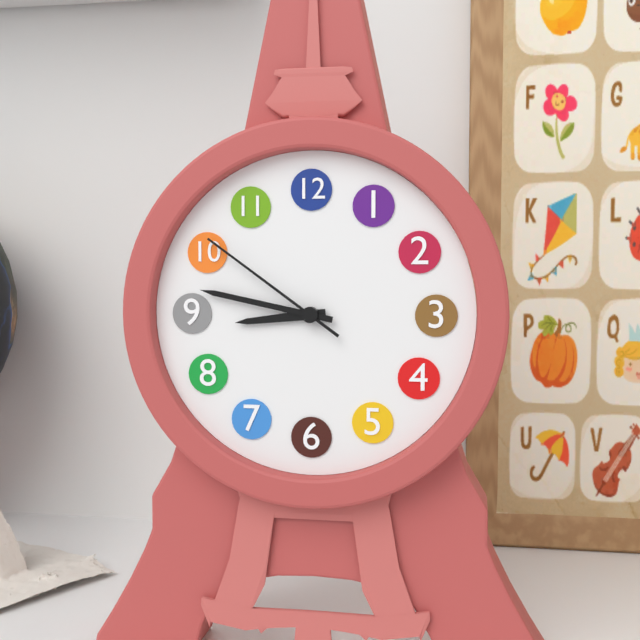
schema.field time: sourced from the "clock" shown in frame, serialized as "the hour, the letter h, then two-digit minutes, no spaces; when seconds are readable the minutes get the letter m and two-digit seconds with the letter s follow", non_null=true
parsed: 8h47m51s
